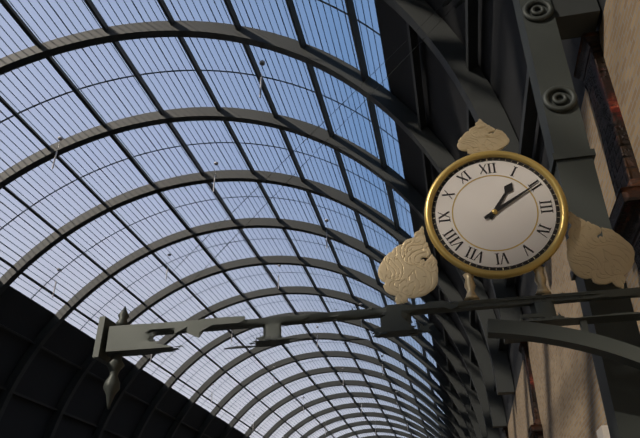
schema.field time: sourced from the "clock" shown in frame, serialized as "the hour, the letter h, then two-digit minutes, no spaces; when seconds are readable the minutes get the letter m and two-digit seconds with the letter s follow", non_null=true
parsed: 1h10
